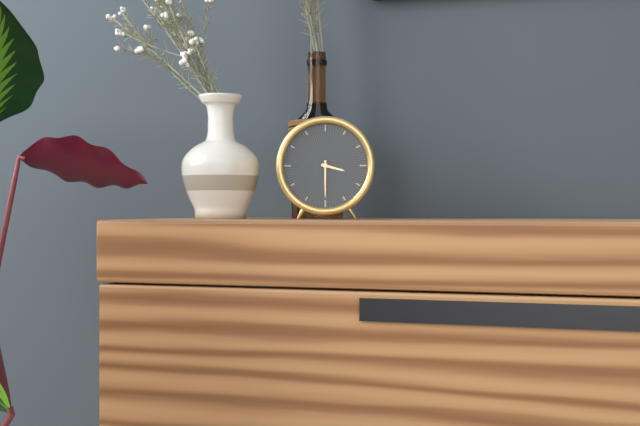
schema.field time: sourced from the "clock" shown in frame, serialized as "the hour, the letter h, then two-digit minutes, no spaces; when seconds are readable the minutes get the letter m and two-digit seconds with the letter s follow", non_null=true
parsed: 3h30
